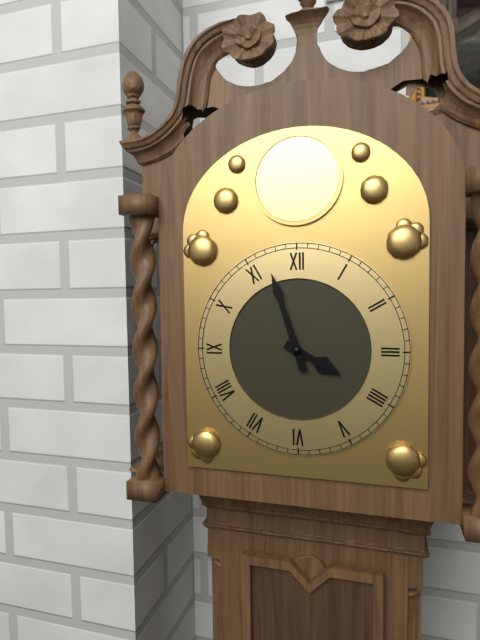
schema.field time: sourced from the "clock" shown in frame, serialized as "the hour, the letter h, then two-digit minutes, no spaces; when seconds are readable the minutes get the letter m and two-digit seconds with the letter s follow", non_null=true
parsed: 3h57
